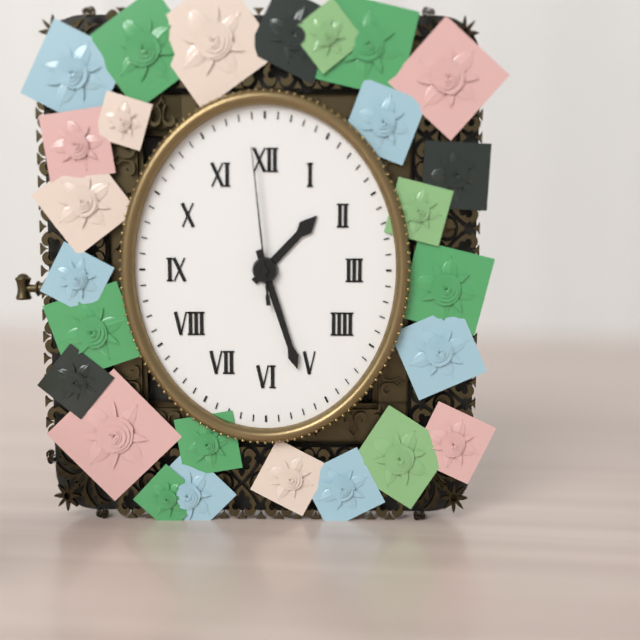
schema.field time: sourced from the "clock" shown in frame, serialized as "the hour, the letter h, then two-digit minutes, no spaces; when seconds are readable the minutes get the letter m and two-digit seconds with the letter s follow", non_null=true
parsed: 1h27m59s
